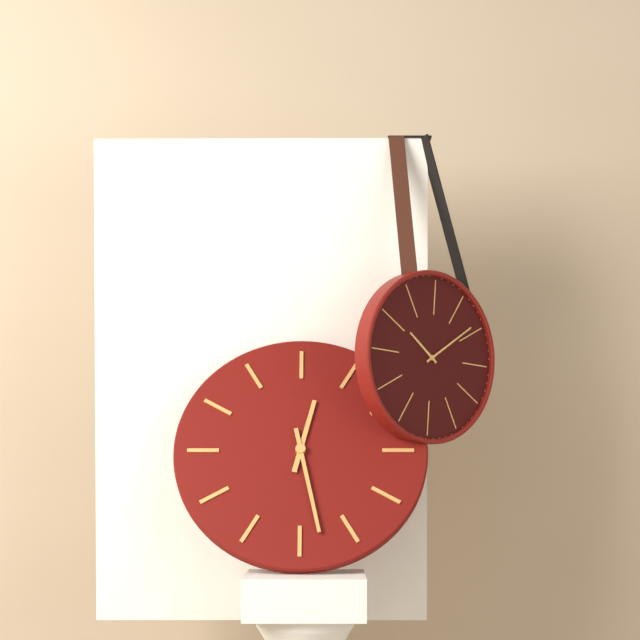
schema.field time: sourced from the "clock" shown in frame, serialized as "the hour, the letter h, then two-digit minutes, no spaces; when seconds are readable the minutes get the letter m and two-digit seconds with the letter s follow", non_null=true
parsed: 12h28
